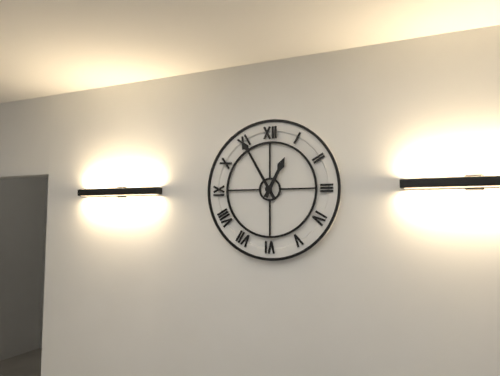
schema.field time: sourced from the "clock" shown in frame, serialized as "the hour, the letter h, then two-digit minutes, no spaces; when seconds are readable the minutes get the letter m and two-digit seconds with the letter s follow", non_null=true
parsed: 12h55
